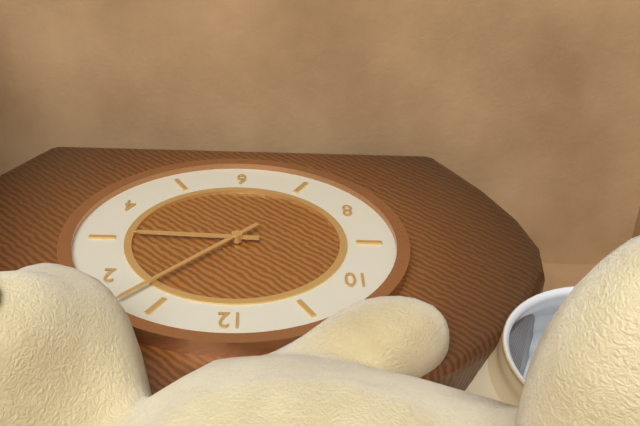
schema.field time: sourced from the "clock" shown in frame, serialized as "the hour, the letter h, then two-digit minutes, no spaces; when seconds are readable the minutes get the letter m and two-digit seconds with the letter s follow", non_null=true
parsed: 3h07
